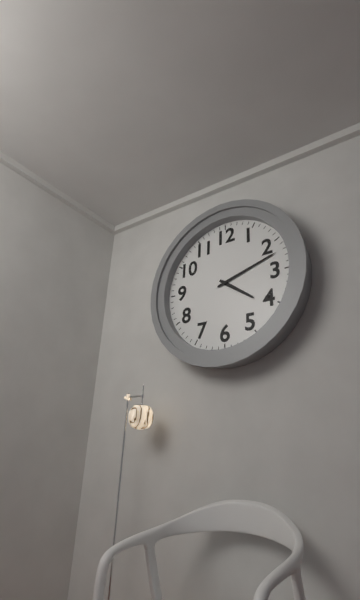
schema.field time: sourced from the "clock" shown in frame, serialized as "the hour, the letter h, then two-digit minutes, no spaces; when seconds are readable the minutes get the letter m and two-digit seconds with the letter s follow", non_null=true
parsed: 4h12
